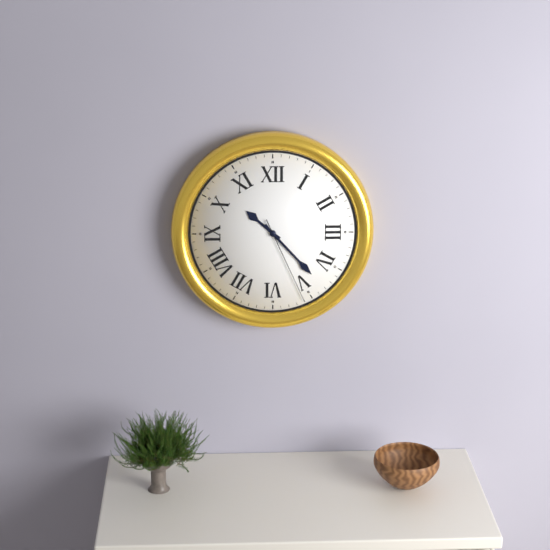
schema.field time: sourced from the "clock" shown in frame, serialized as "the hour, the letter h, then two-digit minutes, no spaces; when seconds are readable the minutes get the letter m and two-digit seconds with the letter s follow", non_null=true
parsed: 10h23m26s
